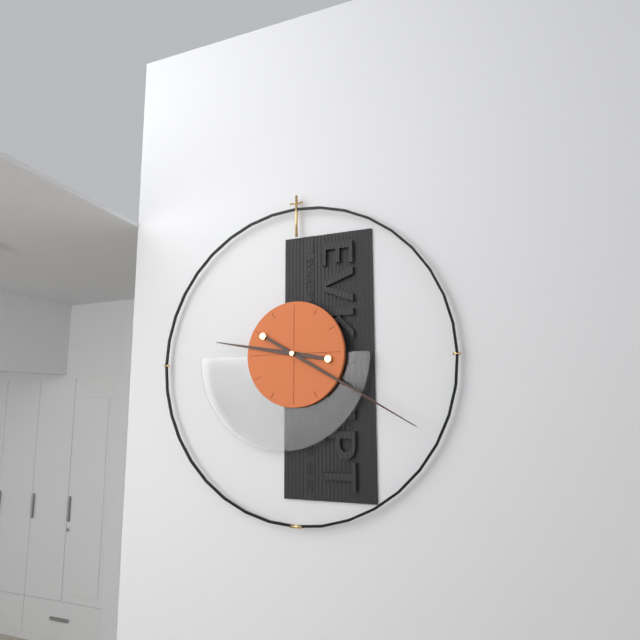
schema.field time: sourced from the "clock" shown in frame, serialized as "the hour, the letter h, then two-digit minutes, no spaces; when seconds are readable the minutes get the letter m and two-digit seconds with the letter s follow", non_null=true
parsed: 9h20
